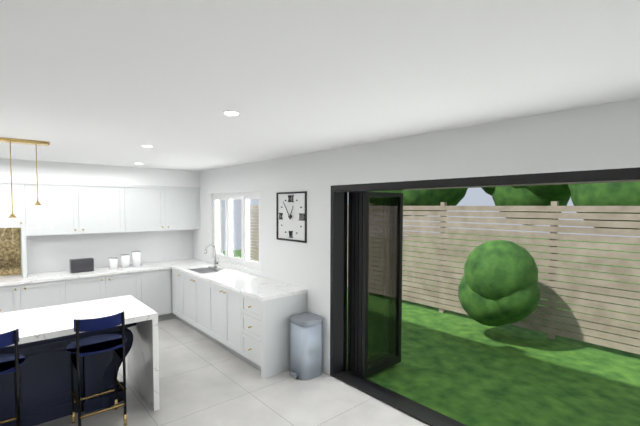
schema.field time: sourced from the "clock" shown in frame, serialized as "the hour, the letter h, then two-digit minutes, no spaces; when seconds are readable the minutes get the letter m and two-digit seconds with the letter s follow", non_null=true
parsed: 12h54
